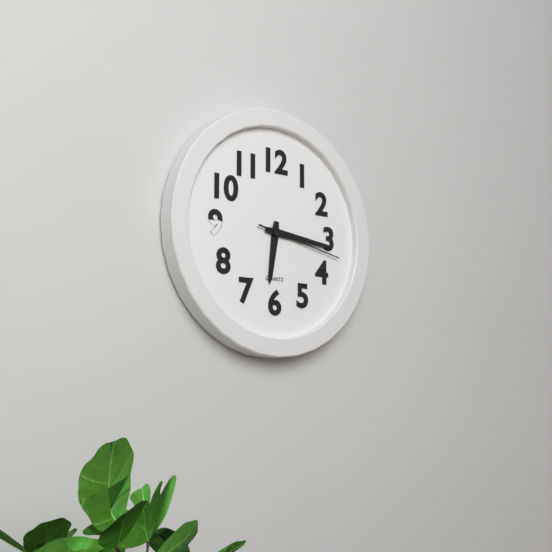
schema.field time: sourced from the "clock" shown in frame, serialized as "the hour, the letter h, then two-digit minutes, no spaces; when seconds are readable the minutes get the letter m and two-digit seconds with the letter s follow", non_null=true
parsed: 6h16m17s
